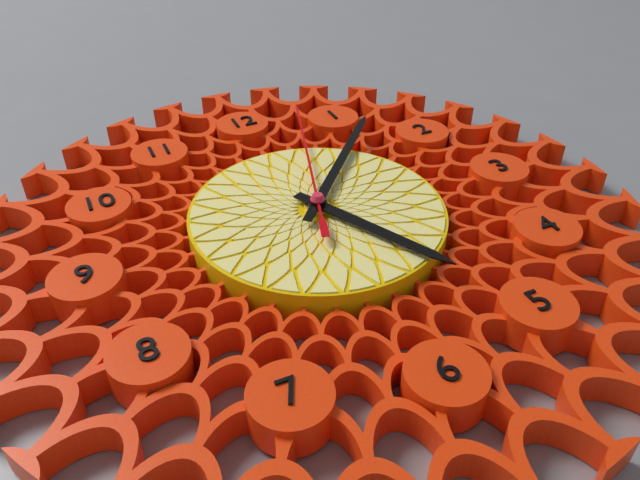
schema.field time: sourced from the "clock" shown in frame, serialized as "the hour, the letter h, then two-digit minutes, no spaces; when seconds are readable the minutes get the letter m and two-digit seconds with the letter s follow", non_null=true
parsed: 5h07m03s
